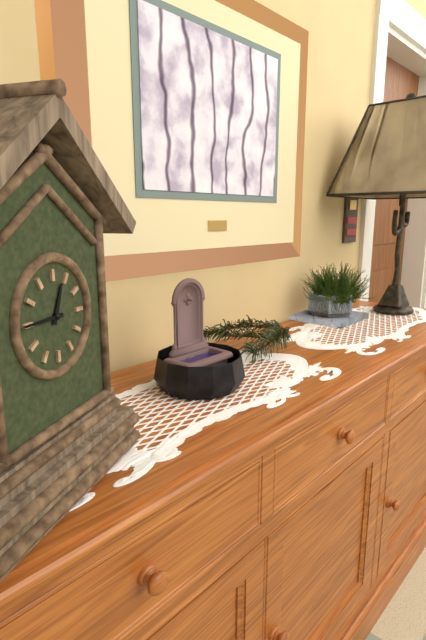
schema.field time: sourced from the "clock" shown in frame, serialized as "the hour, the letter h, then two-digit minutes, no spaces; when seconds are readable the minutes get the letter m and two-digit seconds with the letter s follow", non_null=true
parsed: 12h45
